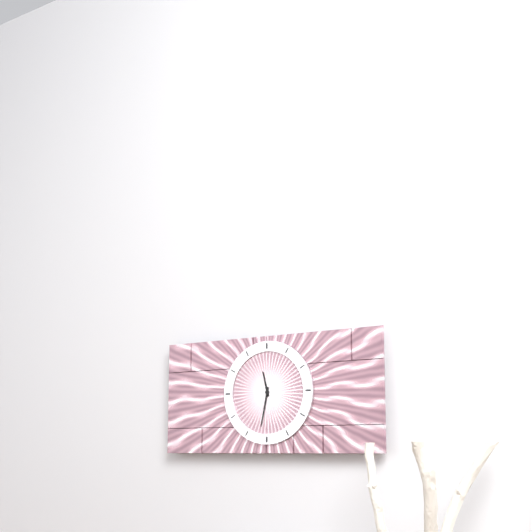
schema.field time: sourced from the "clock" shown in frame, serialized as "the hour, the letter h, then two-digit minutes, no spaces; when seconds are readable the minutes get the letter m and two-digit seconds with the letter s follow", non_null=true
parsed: 11h32
